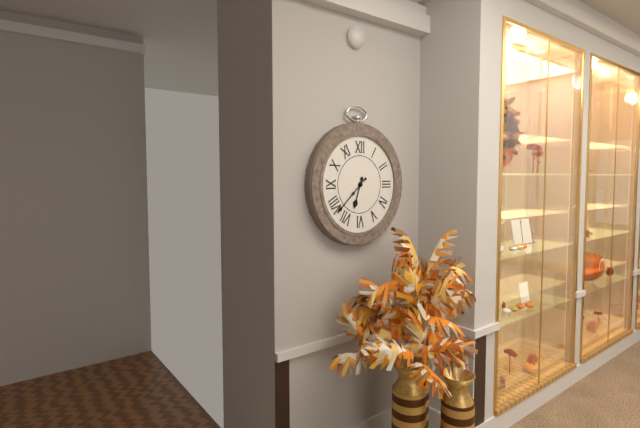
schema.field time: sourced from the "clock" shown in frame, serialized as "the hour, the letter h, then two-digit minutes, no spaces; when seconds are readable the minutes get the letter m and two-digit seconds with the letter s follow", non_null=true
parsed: 6h38
